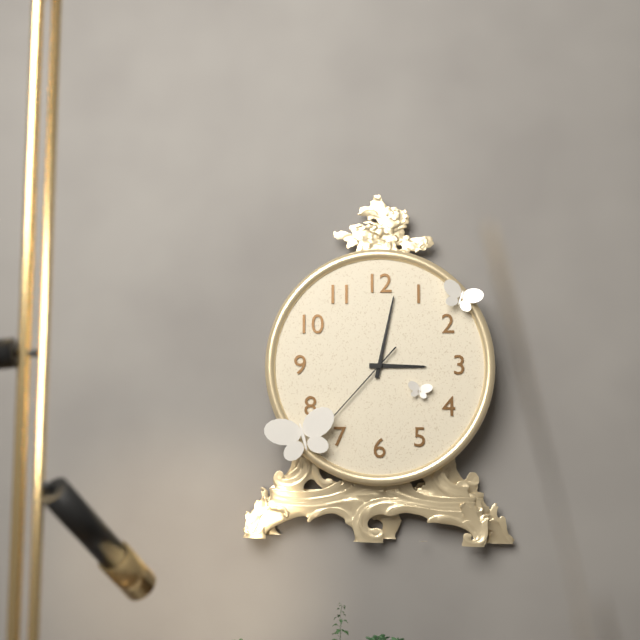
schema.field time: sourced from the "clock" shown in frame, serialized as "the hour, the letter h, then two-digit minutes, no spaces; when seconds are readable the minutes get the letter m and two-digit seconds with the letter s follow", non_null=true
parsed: 3h02m37s
